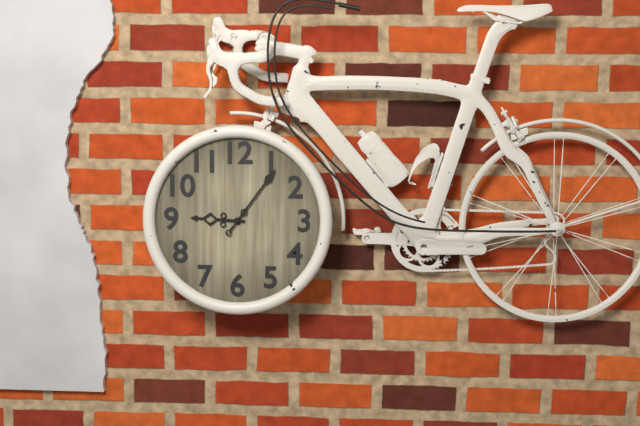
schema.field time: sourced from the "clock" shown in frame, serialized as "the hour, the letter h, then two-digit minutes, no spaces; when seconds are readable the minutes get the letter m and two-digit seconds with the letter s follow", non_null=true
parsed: 9h06
